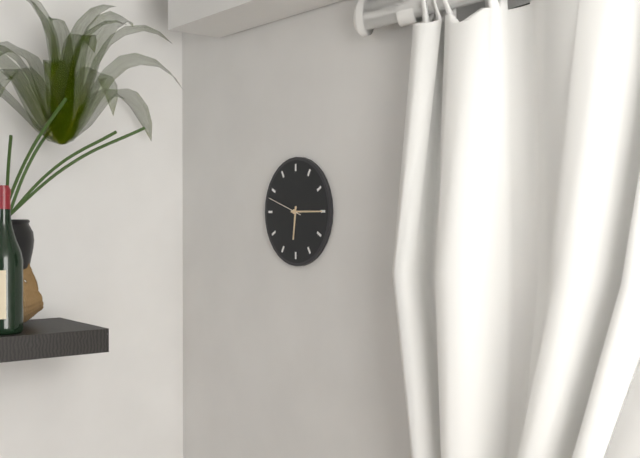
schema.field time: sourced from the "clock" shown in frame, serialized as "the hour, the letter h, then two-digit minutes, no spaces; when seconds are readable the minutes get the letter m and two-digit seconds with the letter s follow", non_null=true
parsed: 6h15
